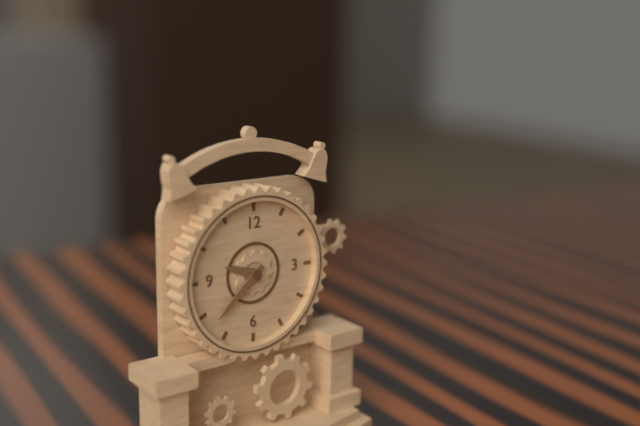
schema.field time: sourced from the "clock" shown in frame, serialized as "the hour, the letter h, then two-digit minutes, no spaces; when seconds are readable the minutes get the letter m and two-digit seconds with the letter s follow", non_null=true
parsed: 9h38
